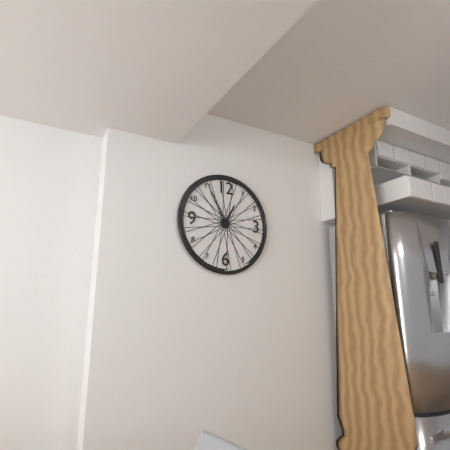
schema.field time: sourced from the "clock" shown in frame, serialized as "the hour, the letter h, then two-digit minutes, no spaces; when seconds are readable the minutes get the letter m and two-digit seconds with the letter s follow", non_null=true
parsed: 12h55
